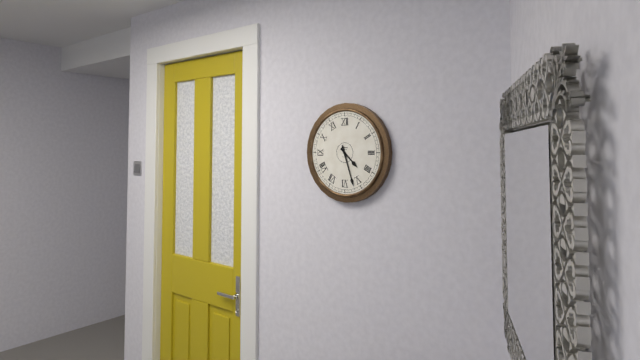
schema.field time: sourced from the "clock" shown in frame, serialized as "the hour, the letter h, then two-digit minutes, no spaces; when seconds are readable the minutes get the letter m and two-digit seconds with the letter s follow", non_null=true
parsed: 4h27
